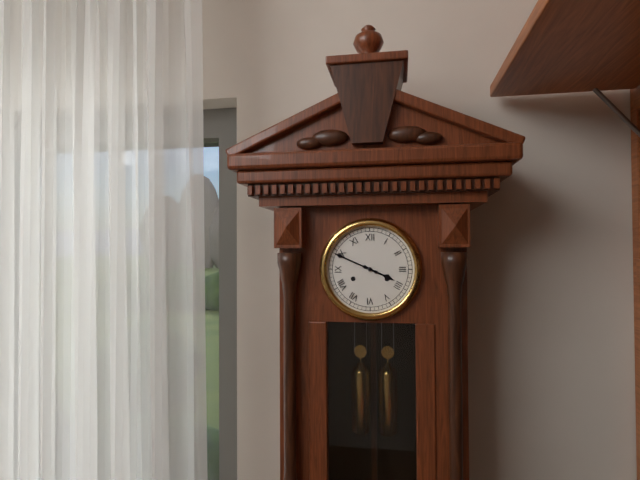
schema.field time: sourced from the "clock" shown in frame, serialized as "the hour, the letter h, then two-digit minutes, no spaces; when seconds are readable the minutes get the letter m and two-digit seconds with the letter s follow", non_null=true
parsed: 3h49
